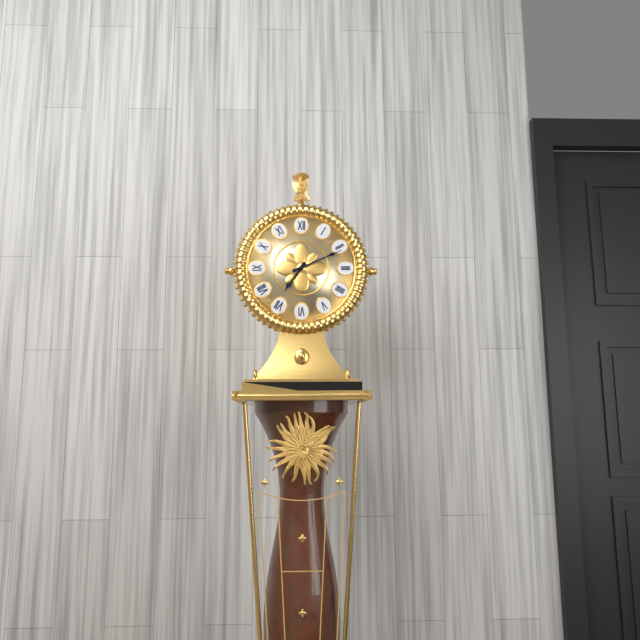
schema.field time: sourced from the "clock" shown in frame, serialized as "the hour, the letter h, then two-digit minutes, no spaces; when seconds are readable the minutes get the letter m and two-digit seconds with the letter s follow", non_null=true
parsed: 7h11
